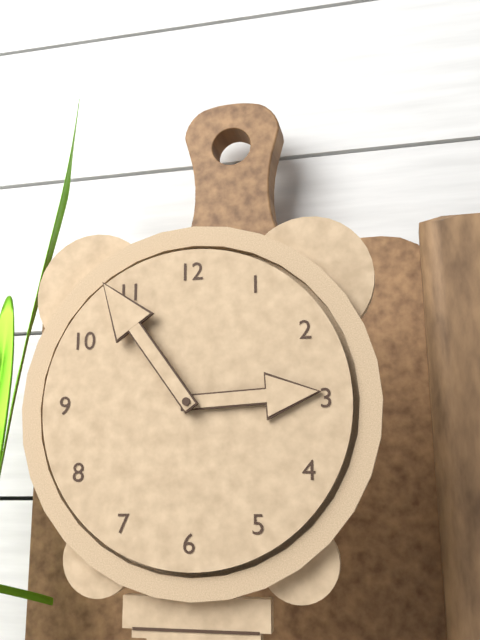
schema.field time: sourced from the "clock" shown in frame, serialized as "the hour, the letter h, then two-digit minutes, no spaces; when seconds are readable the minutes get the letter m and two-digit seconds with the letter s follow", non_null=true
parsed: 2h54
